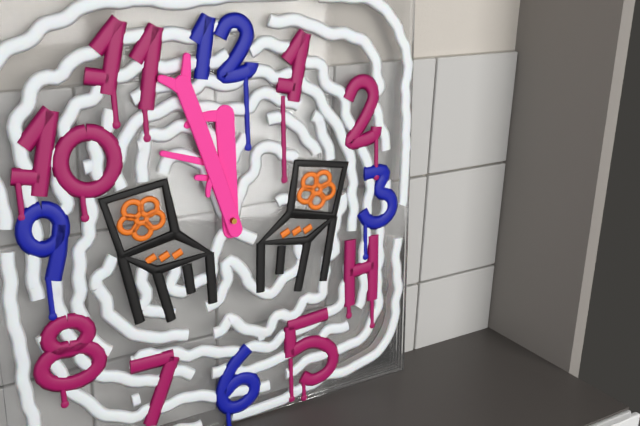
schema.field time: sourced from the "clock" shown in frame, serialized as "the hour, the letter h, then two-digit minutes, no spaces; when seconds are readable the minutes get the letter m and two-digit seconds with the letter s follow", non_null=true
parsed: 11h57
